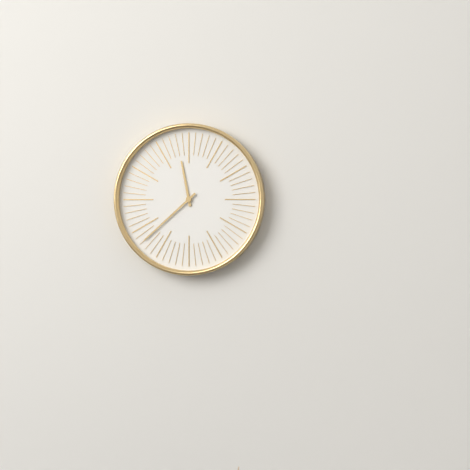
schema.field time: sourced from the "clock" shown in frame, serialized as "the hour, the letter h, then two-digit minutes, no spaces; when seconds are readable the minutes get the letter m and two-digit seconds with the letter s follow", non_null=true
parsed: 11h38
